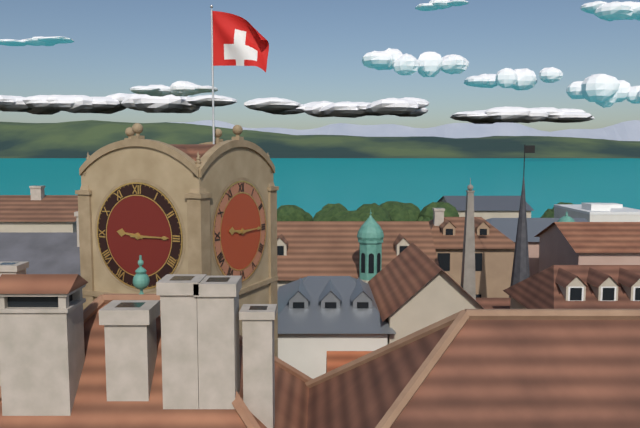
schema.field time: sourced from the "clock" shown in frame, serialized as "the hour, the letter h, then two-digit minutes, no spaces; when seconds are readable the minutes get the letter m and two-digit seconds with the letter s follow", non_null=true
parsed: 9h15
